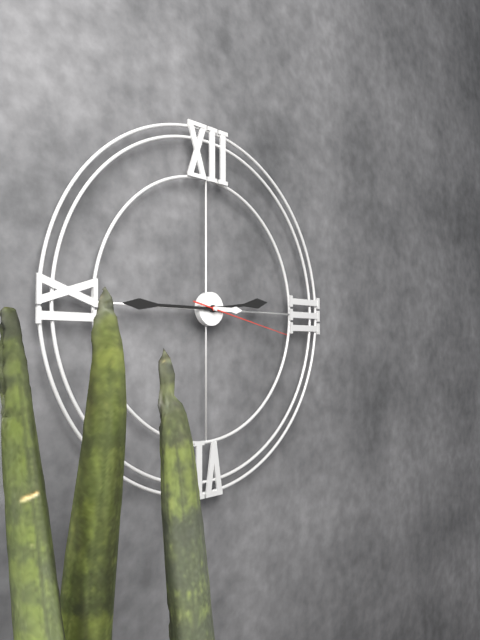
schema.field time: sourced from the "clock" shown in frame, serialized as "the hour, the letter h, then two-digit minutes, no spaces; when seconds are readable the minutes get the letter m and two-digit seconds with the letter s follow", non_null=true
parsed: 2h45m17s
